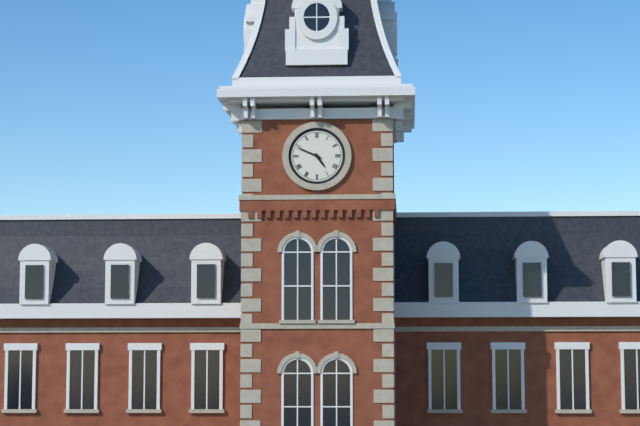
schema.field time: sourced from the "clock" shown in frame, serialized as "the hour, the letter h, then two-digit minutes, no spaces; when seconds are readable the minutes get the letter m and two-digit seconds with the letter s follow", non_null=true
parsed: 4h49
